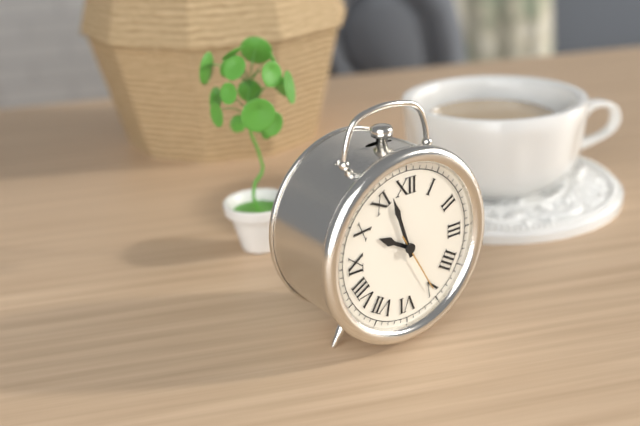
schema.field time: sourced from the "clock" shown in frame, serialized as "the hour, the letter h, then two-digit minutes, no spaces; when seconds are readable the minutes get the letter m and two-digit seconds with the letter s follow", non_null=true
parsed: 9h57m25s
